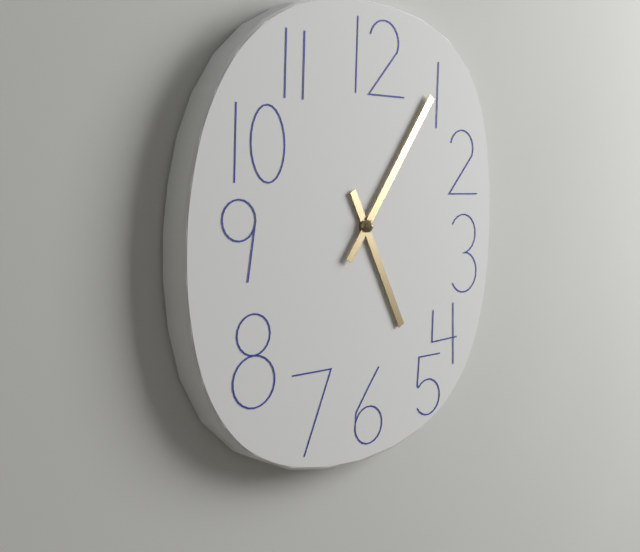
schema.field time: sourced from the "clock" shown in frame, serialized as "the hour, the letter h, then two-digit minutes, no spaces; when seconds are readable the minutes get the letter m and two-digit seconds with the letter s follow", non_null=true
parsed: 5h06
